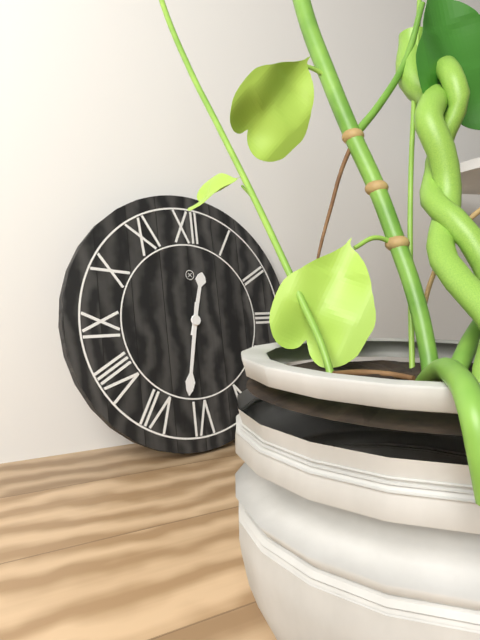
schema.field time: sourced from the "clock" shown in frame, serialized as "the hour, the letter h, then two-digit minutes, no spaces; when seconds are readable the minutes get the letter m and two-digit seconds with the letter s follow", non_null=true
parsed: 12h32
